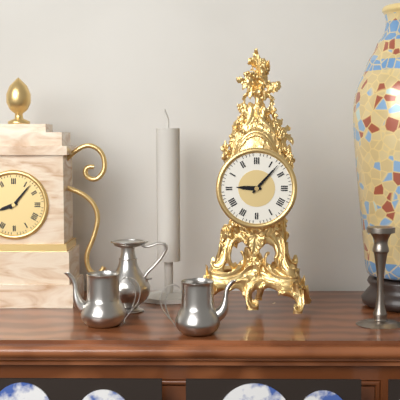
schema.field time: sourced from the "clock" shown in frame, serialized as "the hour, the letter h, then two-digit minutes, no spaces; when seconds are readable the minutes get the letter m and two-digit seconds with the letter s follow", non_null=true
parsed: 9h07
